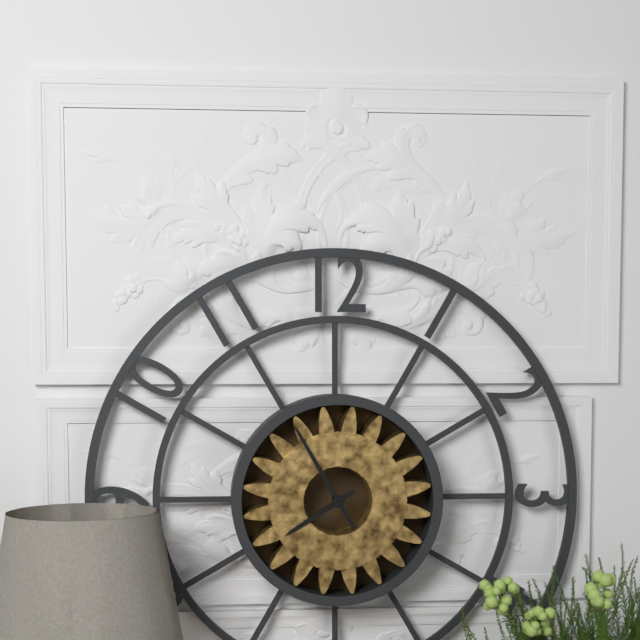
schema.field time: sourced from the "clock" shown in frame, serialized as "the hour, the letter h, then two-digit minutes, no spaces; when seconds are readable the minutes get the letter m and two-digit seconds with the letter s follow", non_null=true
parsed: 7h55
